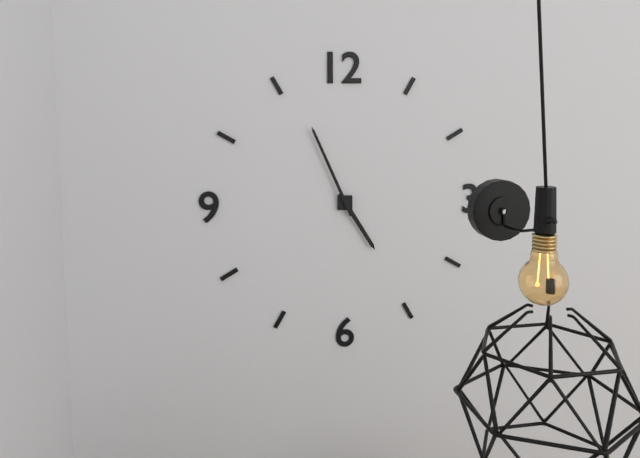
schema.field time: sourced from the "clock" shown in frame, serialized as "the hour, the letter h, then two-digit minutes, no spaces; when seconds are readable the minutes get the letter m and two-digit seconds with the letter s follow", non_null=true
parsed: 4h56
